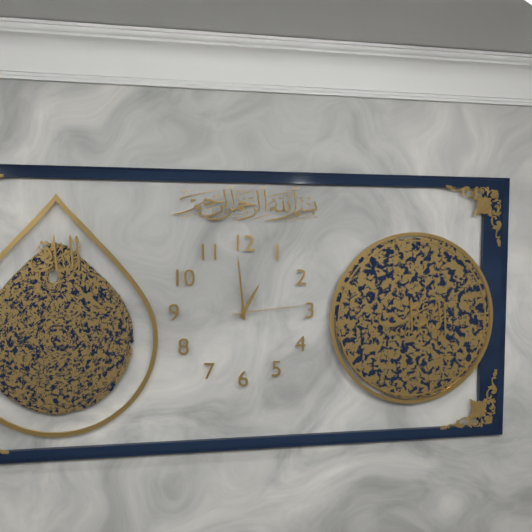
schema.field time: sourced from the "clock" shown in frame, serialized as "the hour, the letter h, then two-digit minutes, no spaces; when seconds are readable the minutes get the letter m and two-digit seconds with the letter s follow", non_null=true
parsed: 12h59m14s
